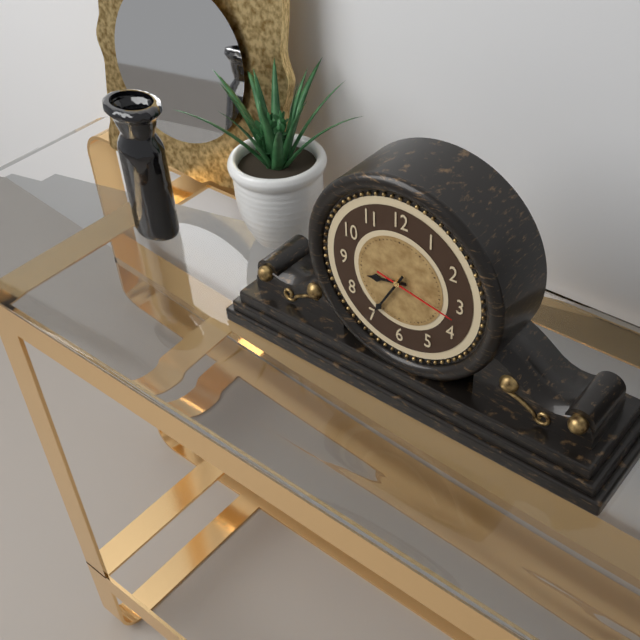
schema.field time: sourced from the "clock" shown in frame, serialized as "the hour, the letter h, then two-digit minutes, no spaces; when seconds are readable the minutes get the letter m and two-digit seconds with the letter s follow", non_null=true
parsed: 8h35m17s
